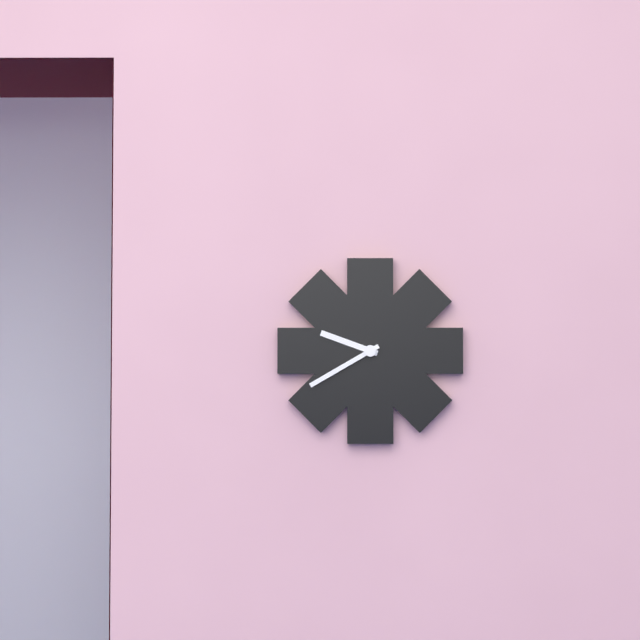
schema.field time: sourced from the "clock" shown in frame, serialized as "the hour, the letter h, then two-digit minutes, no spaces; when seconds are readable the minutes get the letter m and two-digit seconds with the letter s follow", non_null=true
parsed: 9h40
